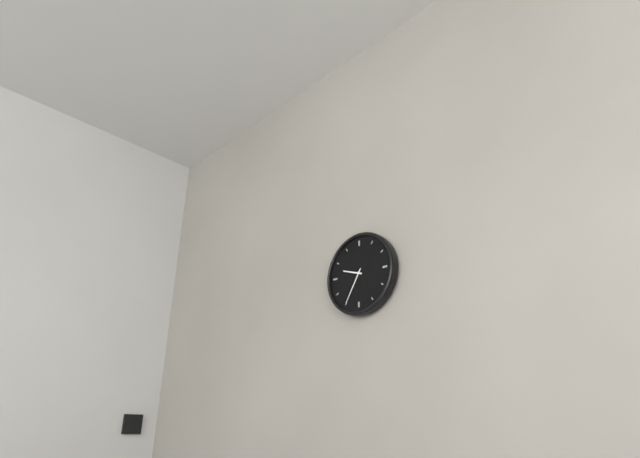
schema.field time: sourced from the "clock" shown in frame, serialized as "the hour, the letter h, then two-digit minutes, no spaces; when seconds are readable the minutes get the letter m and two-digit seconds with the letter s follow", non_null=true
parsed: 9h35
